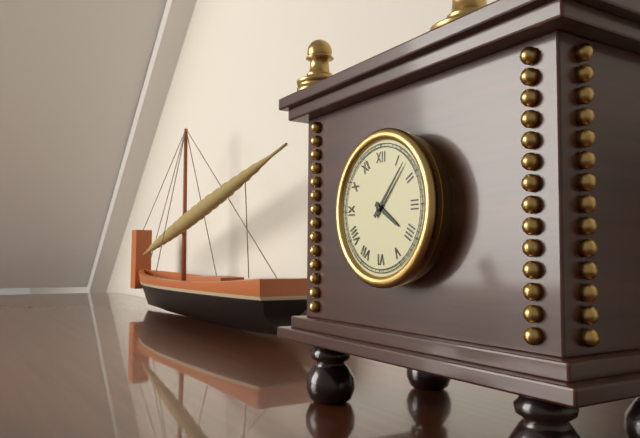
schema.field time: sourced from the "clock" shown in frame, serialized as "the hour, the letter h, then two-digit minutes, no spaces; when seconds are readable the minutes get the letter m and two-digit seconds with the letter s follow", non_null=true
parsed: 4h07
